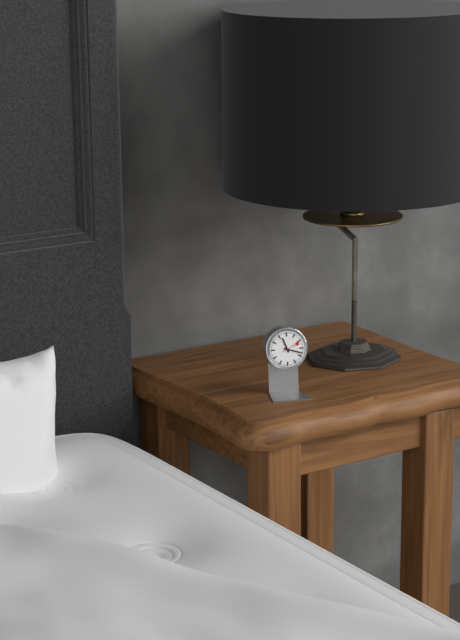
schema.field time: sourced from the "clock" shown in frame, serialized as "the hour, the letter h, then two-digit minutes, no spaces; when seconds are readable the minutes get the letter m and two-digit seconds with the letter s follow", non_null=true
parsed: 11h18
